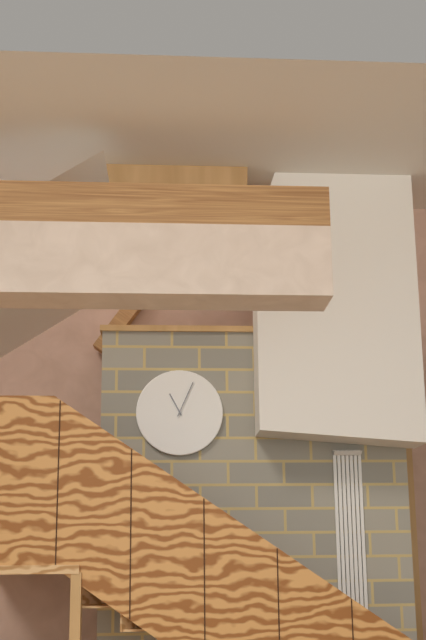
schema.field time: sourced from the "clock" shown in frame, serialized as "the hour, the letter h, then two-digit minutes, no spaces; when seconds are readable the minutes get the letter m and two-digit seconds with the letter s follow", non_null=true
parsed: 11h04
